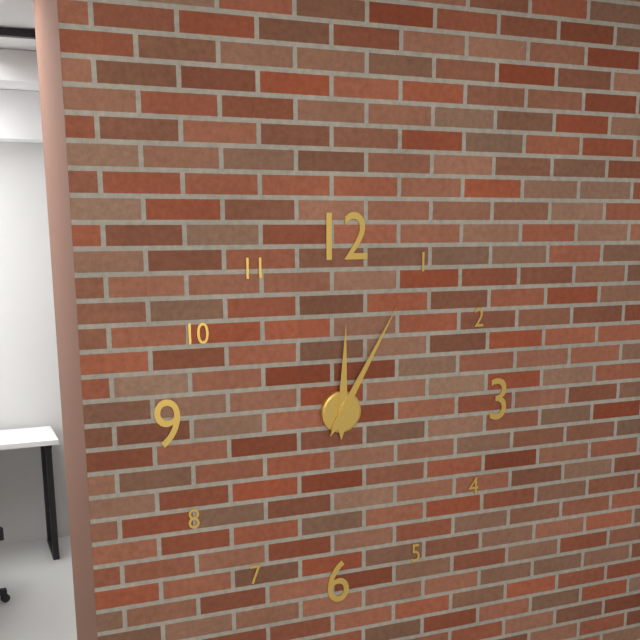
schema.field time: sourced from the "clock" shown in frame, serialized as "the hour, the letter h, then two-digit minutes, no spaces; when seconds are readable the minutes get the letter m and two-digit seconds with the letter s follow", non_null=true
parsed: 12h05
